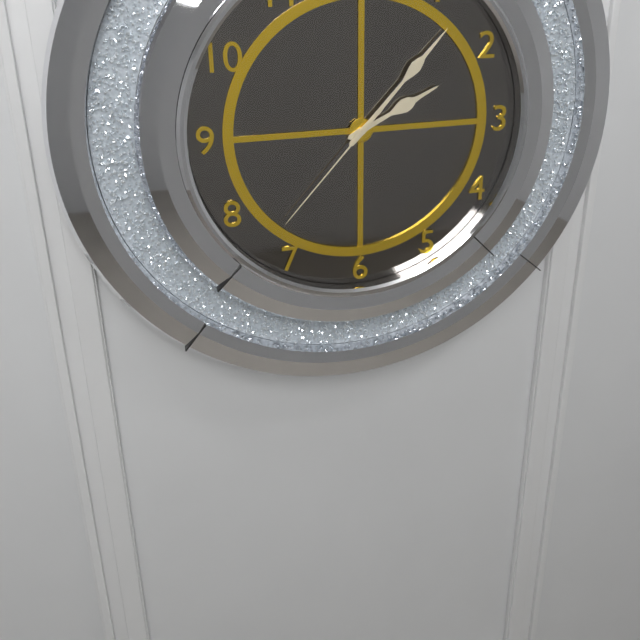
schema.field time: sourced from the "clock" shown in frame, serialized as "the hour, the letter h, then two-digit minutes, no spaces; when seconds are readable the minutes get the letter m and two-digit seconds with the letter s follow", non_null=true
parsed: 2h07m37s
